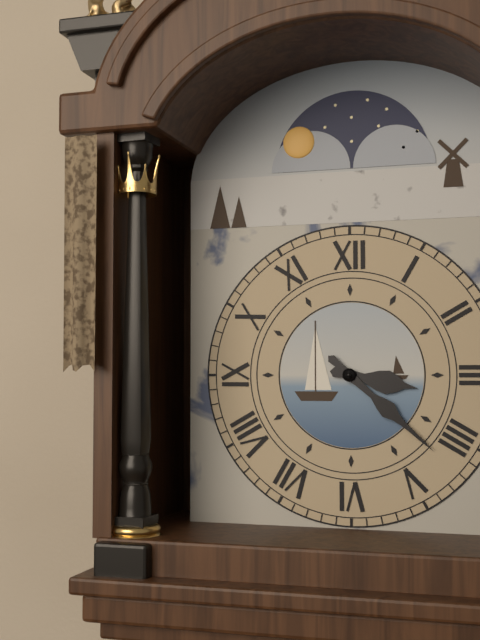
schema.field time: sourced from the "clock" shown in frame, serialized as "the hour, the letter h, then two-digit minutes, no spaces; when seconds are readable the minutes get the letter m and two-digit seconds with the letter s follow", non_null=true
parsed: 3h22
